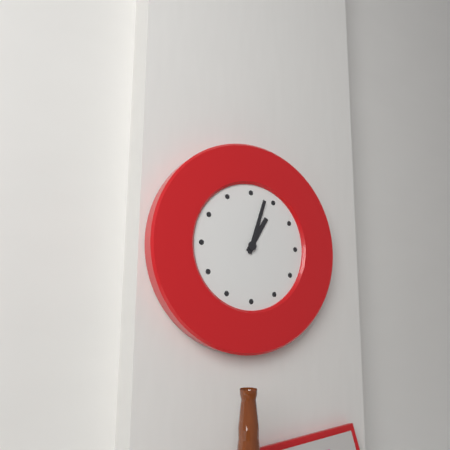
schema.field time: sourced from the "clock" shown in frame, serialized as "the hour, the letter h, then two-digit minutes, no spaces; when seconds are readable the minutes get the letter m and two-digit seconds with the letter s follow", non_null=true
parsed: 1h03
